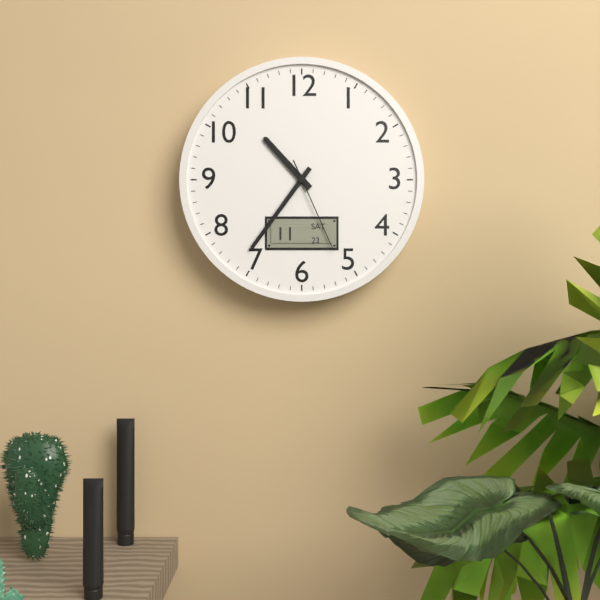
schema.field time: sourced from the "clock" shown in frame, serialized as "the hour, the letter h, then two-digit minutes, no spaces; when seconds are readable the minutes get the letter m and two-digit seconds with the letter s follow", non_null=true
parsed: 10h36m26s
